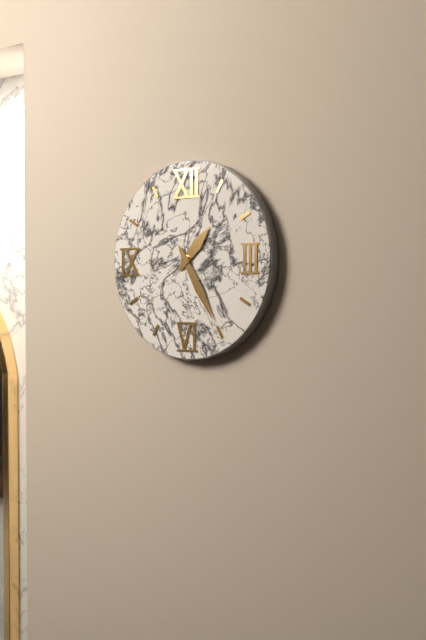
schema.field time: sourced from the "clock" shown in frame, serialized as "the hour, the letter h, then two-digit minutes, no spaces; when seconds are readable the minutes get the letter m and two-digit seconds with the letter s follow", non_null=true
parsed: 1h25
